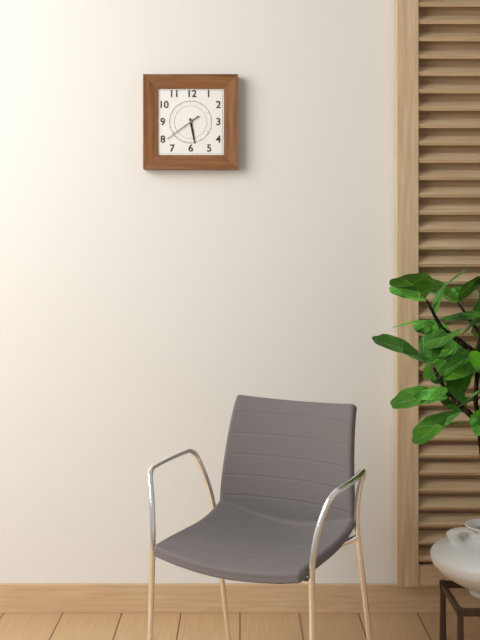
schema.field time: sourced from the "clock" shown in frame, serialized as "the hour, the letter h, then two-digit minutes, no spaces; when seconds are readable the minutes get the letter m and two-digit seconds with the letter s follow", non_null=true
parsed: 5h39
